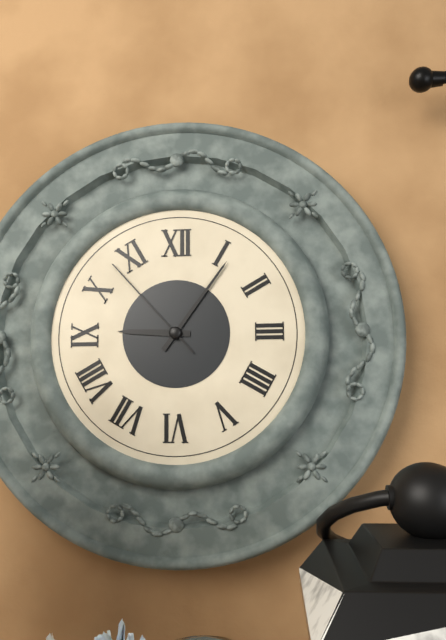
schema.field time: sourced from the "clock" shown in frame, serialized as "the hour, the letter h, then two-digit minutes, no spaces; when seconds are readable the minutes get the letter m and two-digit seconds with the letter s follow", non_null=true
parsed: 9h06m53s
